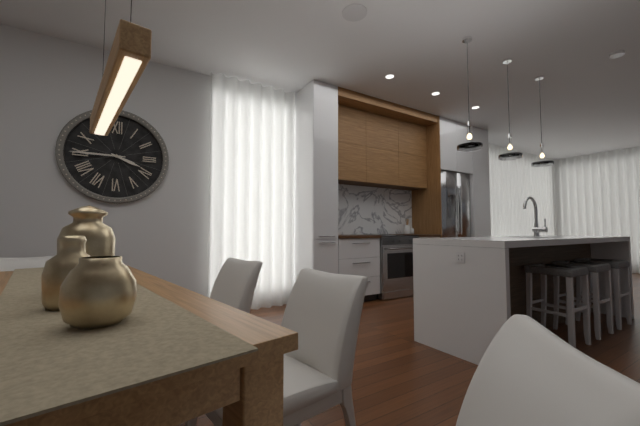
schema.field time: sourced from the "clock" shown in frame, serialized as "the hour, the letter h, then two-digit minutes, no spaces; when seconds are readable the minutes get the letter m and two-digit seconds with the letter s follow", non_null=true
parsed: 3h45
